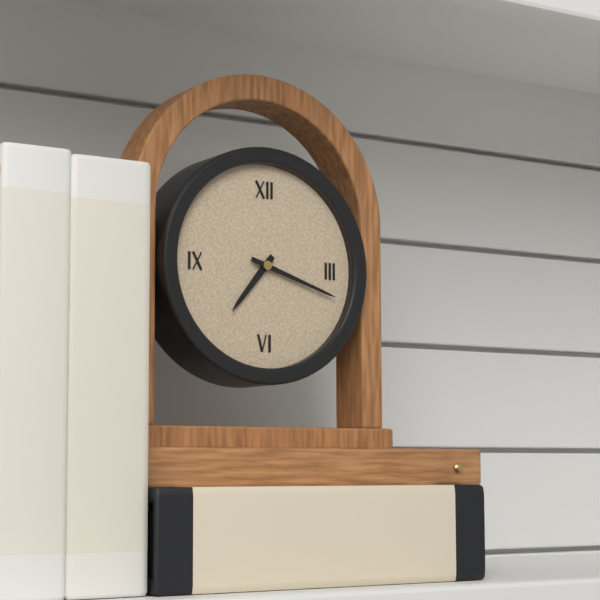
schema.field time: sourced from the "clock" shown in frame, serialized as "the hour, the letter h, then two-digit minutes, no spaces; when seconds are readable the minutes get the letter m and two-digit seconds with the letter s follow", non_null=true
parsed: 7h18
